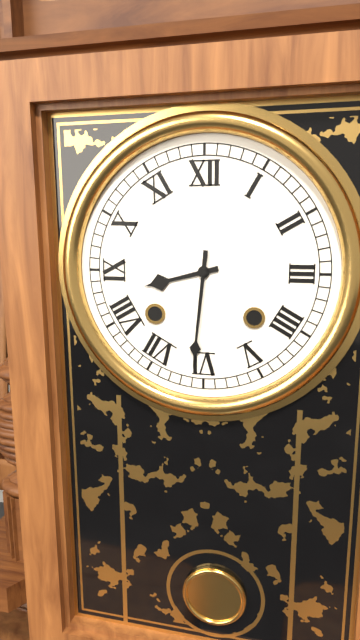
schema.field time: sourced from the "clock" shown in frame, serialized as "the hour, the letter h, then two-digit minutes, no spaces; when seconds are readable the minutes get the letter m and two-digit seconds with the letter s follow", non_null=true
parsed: 8h31
